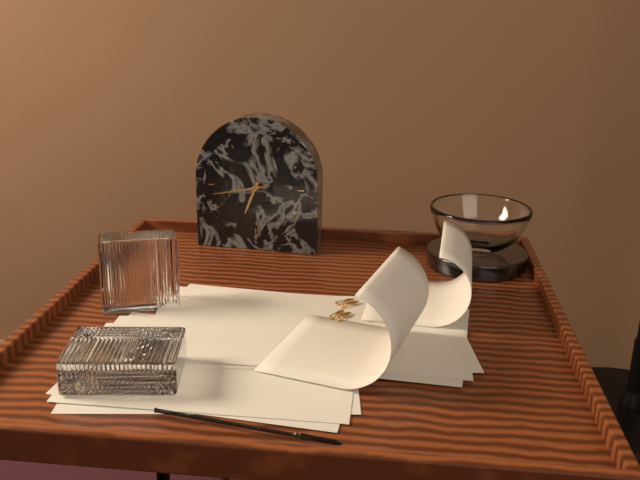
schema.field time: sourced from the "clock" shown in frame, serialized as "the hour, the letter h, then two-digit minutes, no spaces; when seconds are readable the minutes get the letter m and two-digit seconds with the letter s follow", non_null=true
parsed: 6h43
